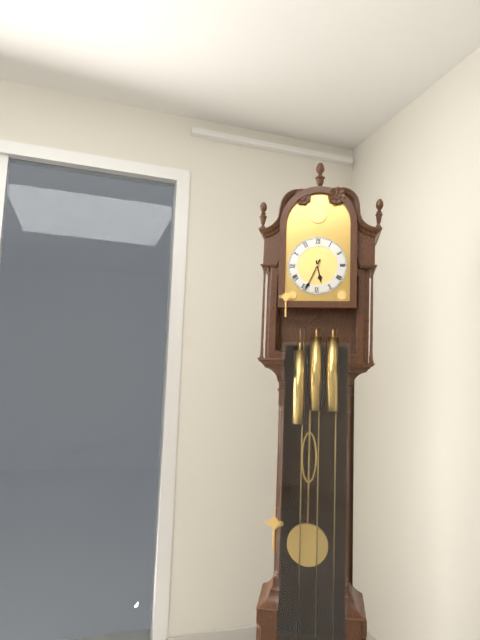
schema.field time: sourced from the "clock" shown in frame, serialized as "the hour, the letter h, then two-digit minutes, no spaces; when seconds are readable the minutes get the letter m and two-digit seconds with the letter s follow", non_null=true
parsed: 5h34
